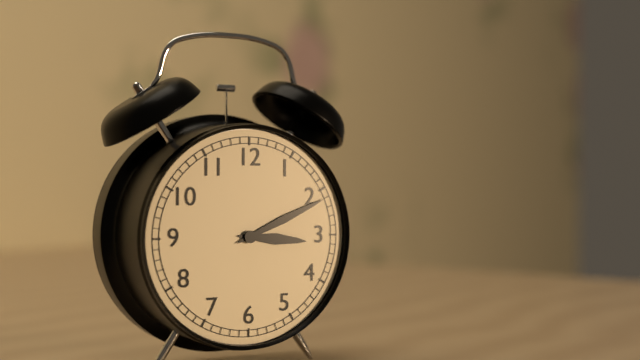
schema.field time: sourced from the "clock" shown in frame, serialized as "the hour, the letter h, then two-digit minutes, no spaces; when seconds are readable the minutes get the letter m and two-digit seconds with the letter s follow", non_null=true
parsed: 3h11
